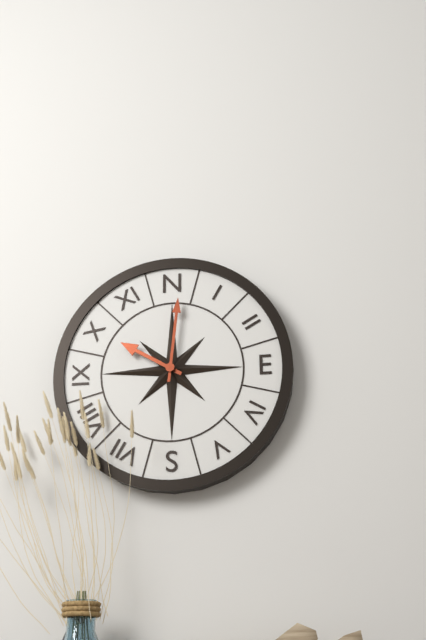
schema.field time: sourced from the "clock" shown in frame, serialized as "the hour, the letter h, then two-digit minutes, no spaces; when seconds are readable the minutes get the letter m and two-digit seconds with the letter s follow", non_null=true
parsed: 10h01
